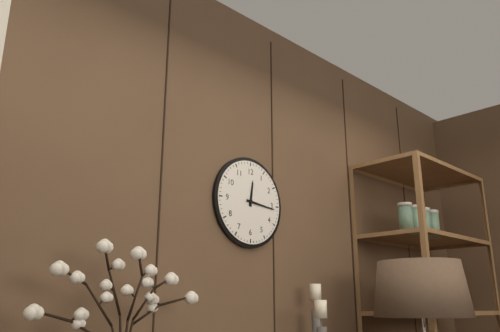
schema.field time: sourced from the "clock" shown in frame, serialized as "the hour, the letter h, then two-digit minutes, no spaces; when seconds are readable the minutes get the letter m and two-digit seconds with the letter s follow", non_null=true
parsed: 12h16
